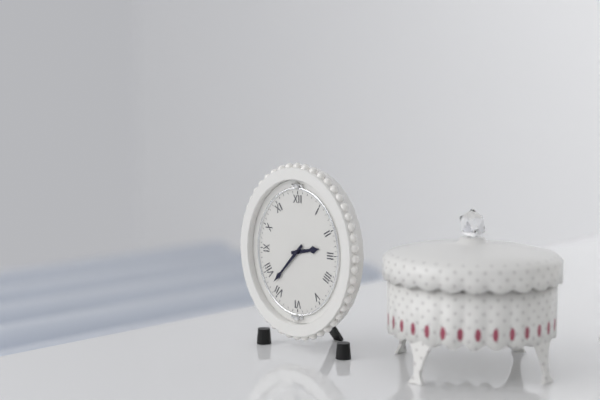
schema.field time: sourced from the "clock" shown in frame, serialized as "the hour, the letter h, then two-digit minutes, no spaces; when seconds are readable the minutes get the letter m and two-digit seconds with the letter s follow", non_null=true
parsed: 2h37
